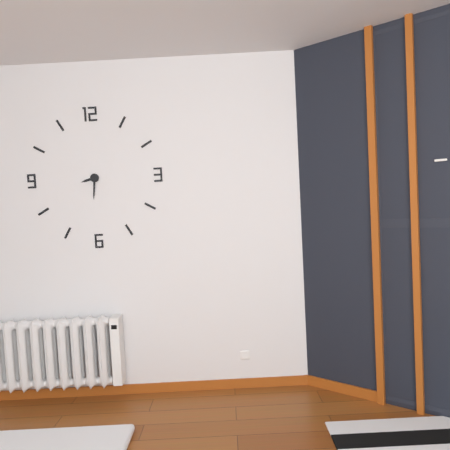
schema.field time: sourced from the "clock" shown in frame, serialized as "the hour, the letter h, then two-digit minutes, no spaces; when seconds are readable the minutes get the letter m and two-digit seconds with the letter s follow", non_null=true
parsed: 8h31
